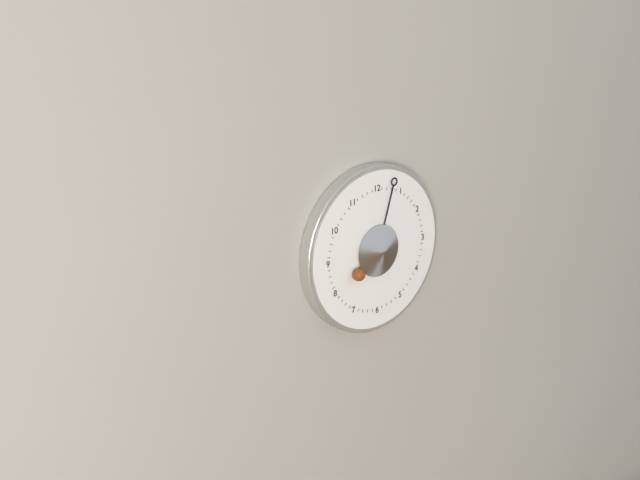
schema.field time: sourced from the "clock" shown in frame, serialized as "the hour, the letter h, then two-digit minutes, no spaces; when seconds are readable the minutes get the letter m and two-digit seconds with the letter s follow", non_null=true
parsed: 8h03
